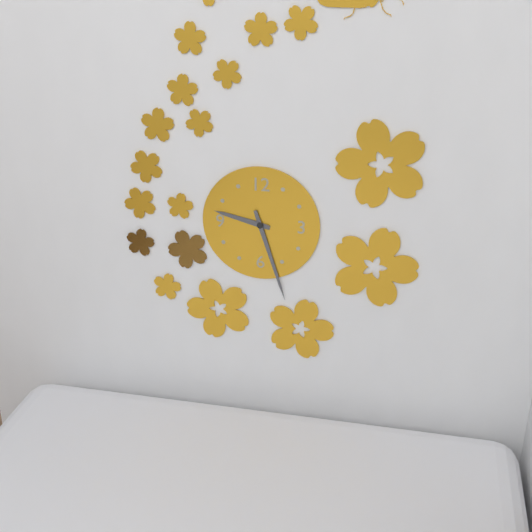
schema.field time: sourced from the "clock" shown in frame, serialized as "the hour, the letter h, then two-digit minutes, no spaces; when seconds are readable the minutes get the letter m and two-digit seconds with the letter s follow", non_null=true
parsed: 9h27
